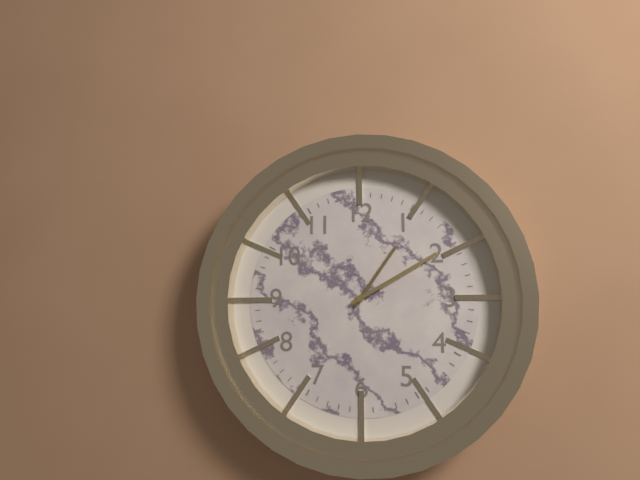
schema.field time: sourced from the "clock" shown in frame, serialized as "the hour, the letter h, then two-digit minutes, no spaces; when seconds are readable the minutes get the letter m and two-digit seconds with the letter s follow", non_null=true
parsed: 1h10
